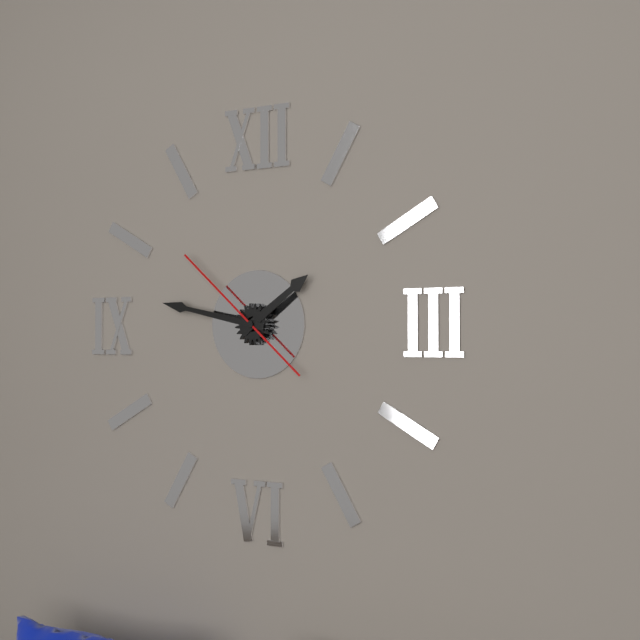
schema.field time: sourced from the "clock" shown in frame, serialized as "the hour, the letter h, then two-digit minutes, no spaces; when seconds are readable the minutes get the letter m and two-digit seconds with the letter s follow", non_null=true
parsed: 1h47m52s
